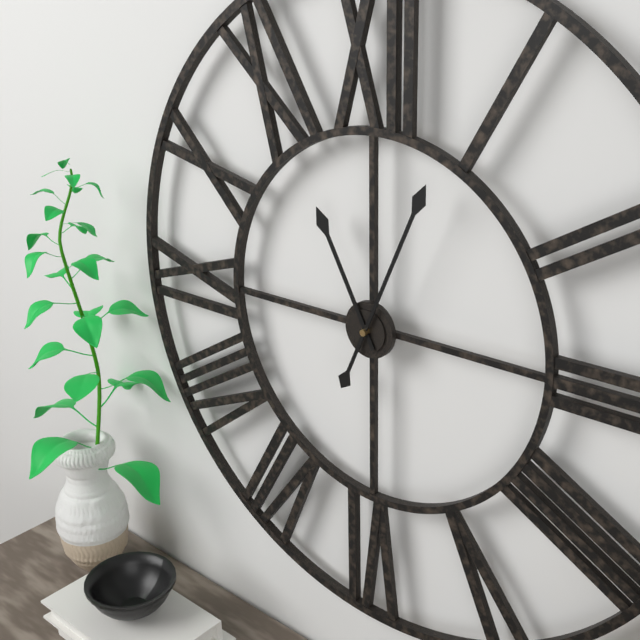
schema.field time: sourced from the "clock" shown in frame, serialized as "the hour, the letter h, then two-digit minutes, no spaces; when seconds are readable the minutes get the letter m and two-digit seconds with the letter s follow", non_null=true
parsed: 11h04
